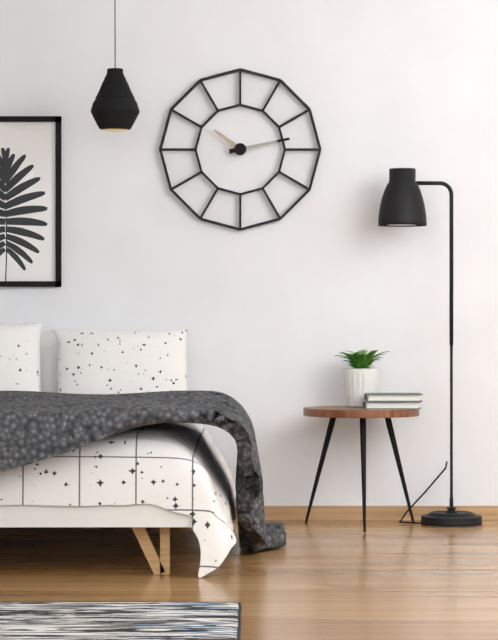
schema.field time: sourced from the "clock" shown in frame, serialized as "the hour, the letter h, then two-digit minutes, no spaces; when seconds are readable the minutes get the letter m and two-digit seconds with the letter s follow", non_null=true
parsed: 10h13
